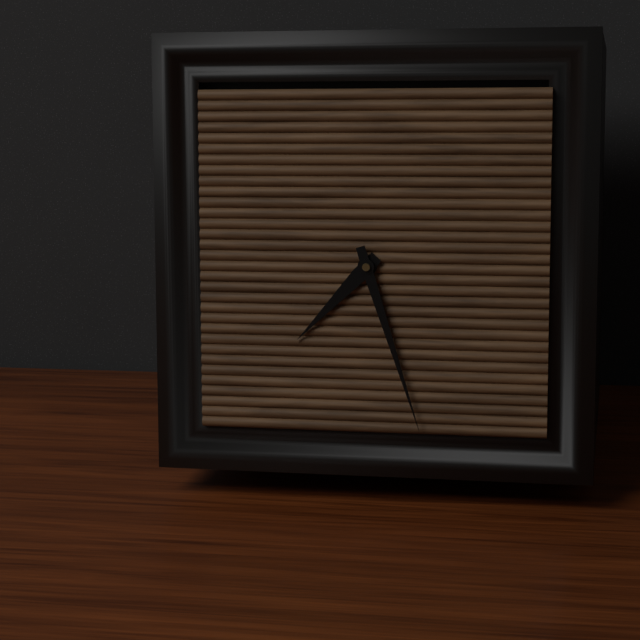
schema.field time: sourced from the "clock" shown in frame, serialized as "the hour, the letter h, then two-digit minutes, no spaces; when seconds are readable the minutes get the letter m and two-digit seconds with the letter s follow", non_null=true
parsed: 7h27
